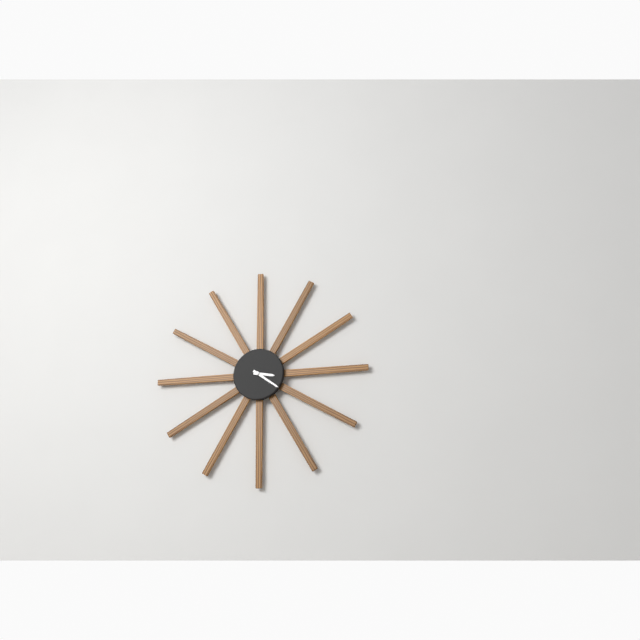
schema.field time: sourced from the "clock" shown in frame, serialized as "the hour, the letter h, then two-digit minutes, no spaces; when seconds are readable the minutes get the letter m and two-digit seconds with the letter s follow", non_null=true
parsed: 3h21
